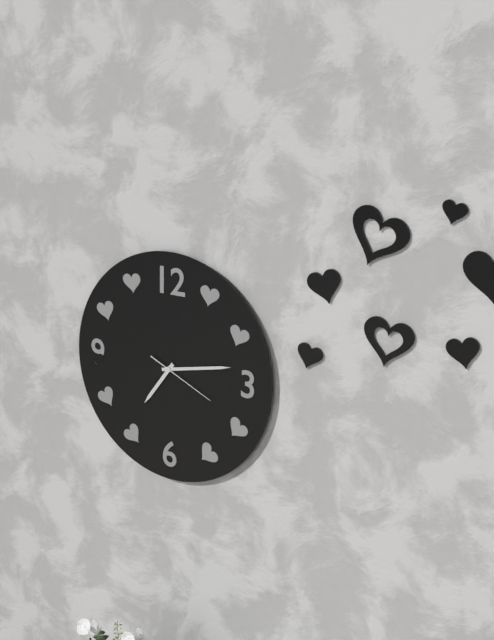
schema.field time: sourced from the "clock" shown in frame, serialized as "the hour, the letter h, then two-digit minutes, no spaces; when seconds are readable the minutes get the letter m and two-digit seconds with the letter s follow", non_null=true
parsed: 7h13m19s
